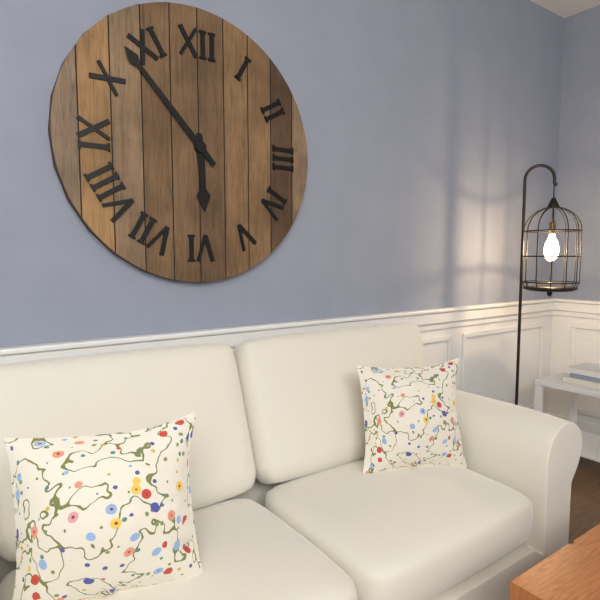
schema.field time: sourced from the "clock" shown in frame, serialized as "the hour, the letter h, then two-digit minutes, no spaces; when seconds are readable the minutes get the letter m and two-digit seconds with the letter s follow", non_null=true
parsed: 5h53
